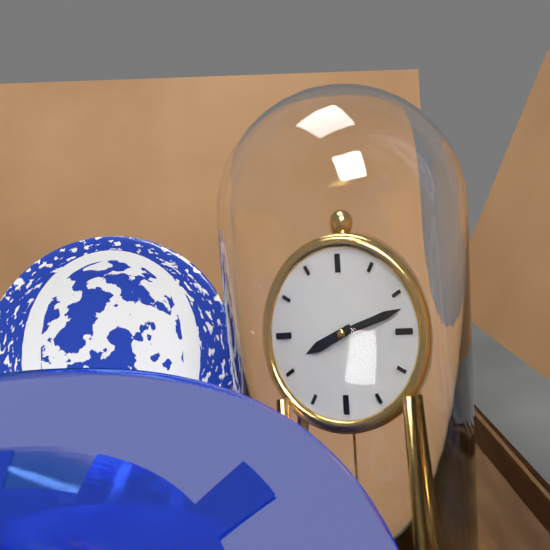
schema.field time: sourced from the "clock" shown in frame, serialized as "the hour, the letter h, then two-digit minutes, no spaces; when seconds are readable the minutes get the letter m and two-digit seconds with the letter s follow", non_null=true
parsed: 8h12
